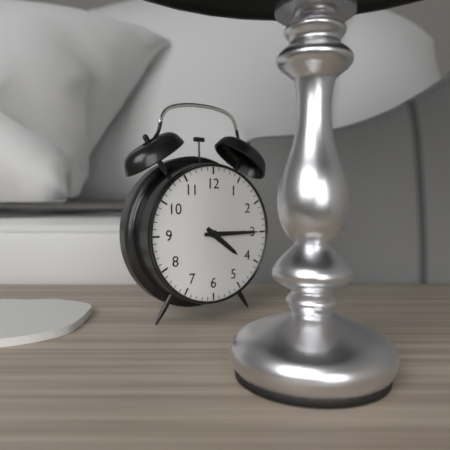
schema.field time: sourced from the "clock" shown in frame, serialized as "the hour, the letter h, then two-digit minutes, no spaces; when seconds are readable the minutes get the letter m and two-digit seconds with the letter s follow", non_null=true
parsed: 4h15
